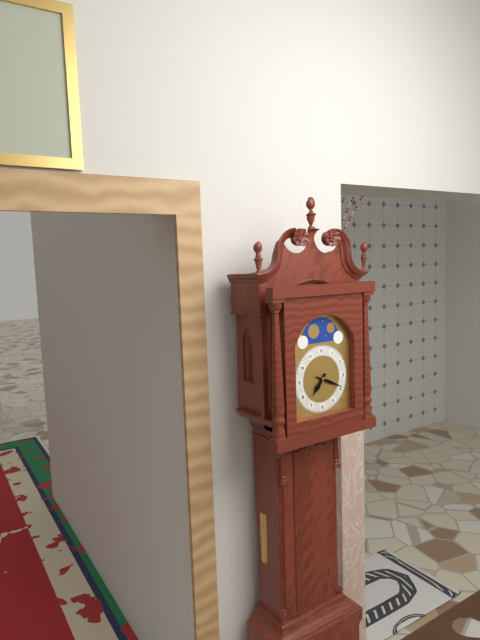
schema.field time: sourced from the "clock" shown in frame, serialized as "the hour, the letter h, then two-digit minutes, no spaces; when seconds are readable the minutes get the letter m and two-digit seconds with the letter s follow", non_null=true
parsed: 7h19
